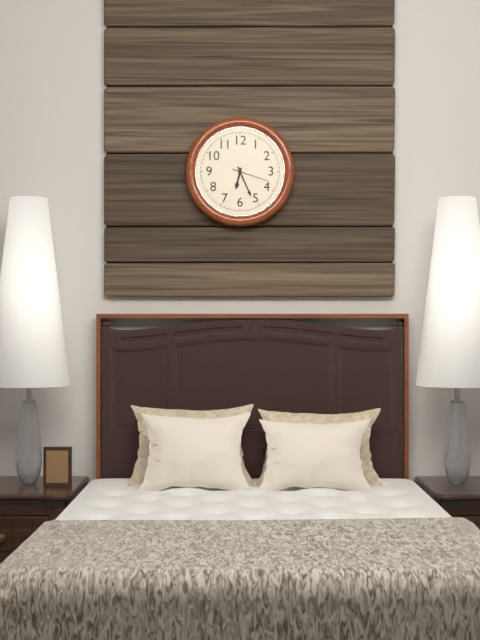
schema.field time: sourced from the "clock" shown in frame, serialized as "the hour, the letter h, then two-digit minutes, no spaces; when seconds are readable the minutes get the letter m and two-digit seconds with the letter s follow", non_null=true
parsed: 6h26
